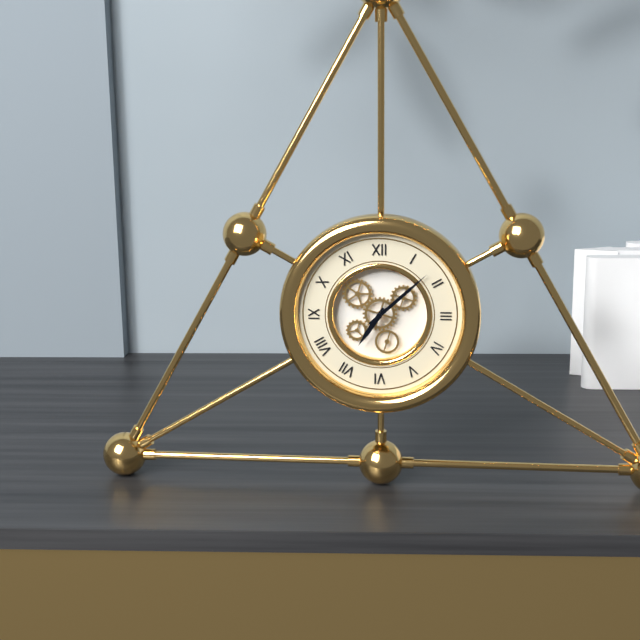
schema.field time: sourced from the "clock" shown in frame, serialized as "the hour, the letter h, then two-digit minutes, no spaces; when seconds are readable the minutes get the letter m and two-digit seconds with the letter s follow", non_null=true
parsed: 7h08
